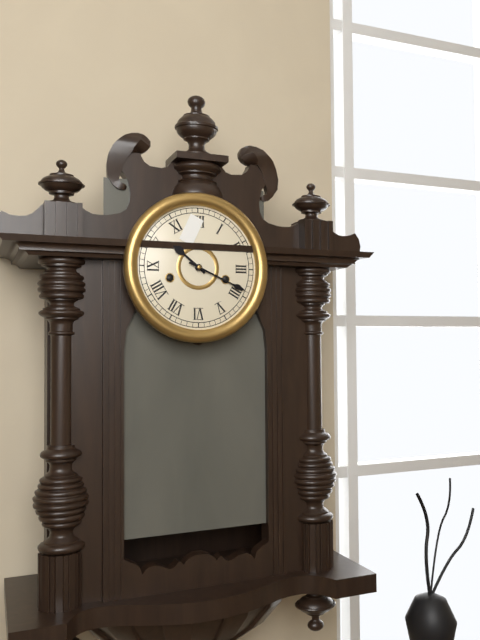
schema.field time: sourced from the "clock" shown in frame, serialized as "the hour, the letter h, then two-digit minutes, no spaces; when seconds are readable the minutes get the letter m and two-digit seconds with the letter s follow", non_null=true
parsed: 10h19
